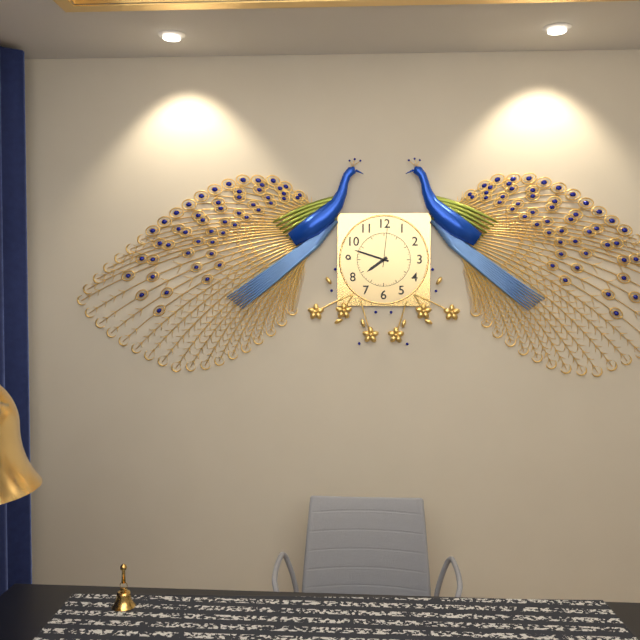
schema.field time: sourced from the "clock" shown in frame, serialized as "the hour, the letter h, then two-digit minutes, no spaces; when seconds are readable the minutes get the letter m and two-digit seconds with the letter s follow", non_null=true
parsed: 7h48
